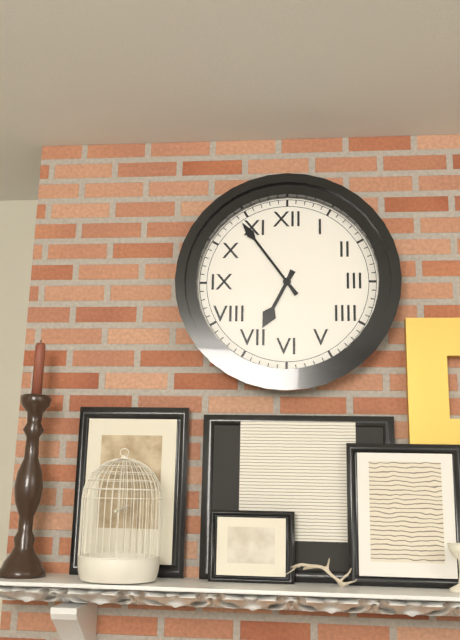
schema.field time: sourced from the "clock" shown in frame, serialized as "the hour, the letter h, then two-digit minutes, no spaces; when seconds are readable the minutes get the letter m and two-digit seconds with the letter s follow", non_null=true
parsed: 6h54
